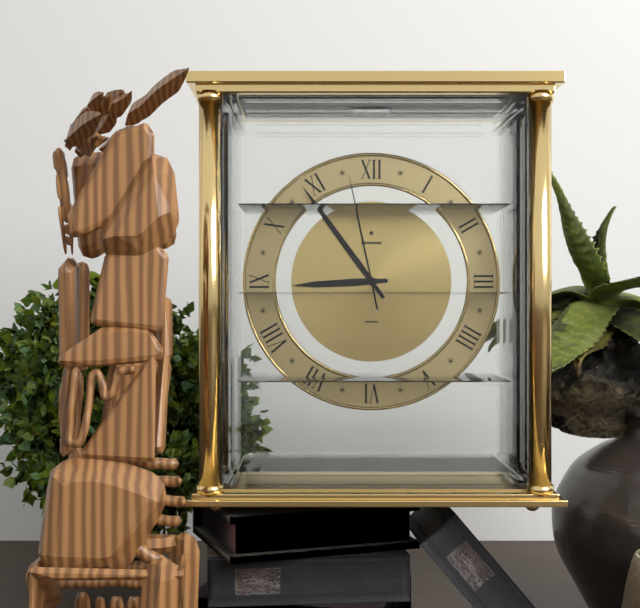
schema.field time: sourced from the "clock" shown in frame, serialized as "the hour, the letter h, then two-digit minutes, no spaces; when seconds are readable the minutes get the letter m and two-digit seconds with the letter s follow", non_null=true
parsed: 8h54m58s
